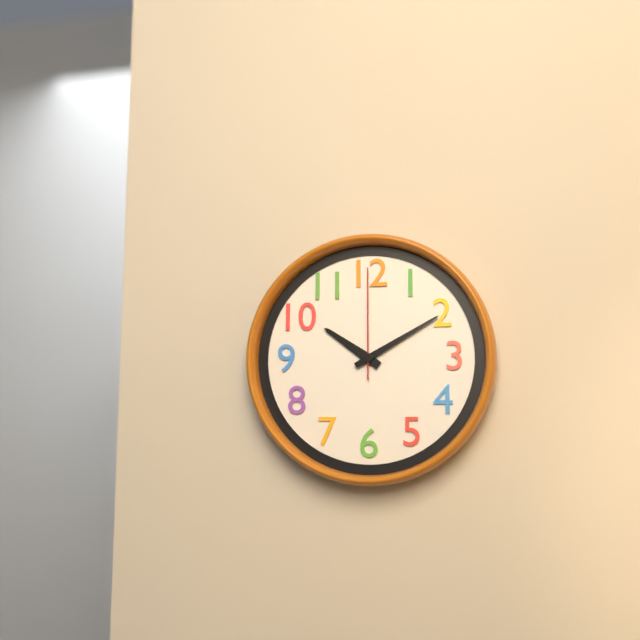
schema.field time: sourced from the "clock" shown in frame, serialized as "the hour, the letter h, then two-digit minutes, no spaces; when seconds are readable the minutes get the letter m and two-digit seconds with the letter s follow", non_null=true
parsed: 10h10m00s
